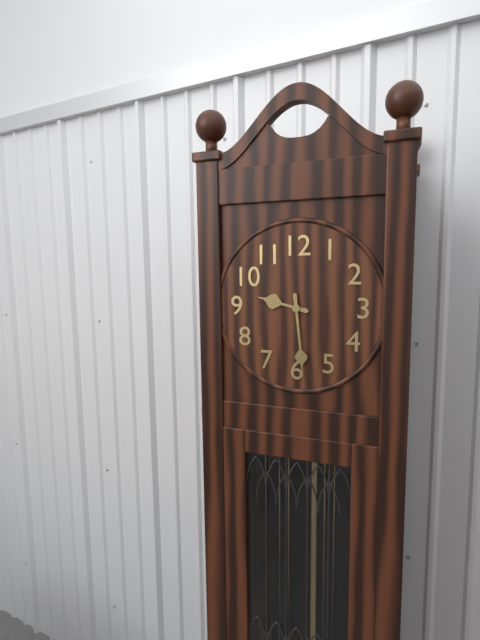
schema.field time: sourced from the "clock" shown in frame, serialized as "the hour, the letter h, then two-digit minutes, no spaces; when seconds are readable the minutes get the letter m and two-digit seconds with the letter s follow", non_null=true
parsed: 9h29
